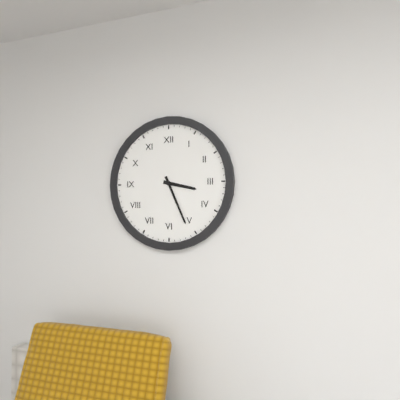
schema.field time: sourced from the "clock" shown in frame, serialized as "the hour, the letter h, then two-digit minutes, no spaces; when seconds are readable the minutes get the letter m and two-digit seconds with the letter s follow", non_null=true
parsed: 3h26
